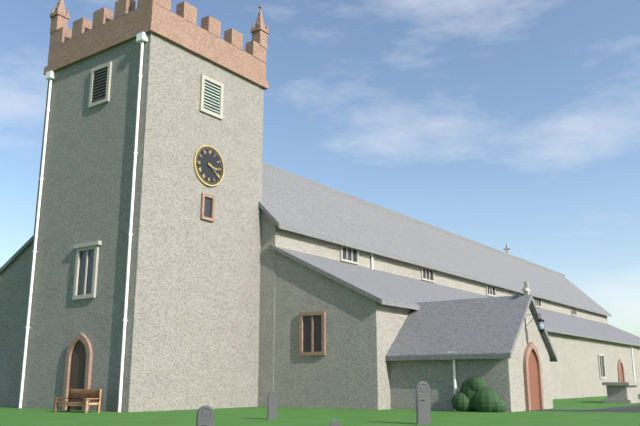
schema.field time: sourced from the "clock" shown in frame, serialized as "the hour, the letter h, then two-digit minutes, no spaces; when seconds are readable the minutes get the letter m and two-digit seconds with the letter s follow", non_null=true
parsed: 3h21
